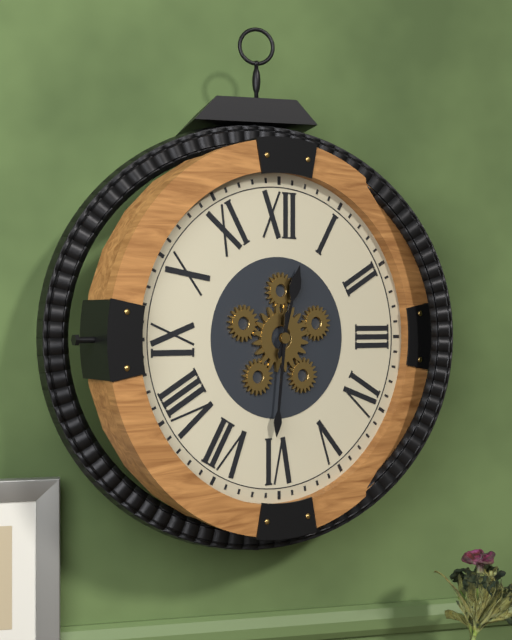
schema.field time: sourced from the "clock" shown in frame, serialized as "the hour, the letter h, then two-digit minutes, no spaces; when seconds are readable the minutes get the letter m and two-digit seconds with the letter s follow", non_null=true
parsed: 12h31
